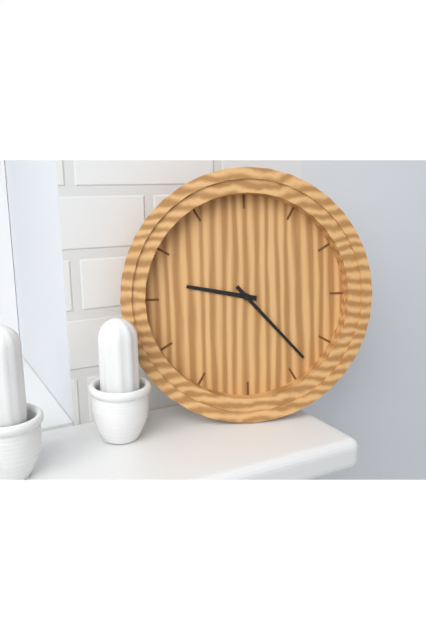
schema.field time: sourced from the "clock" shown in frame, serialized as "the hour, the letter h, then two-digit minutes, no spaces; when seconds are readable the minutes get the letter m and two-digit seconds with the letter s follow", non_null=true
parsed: 9h23
